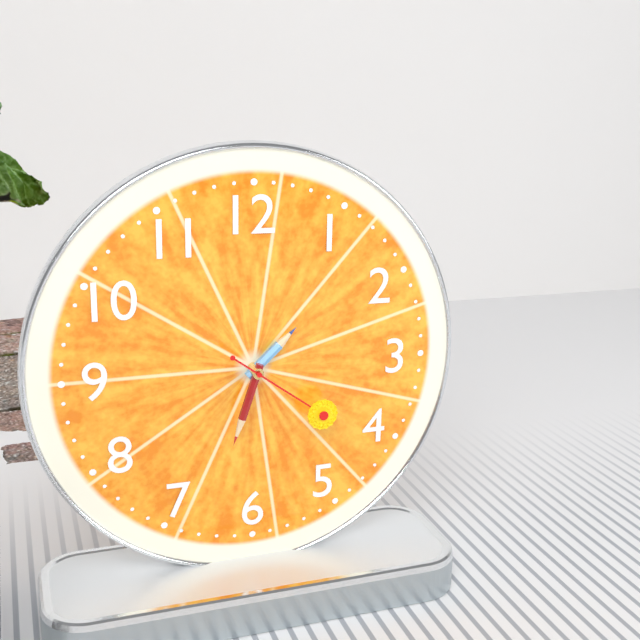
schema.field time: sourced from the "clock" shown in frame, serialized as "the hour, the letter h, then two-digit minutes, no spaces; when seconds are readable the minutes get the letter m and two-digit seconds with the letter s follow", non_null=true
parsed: 1h33m21s
